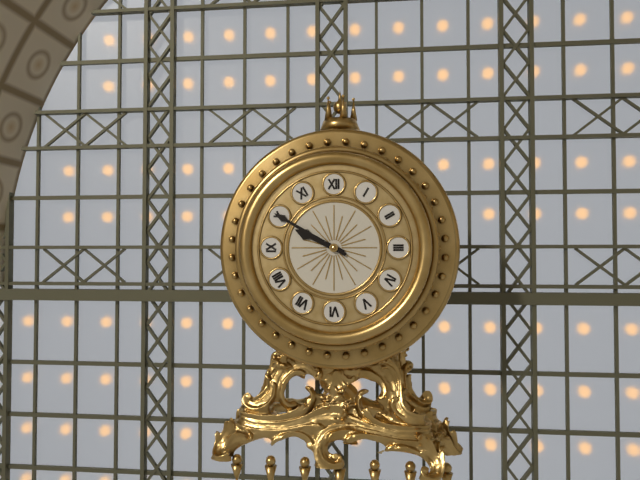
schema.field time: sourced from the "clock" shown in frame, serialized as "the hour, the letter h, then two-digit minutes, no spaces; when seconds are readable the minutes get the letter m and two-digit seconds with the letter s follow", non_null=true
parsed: 9h50
